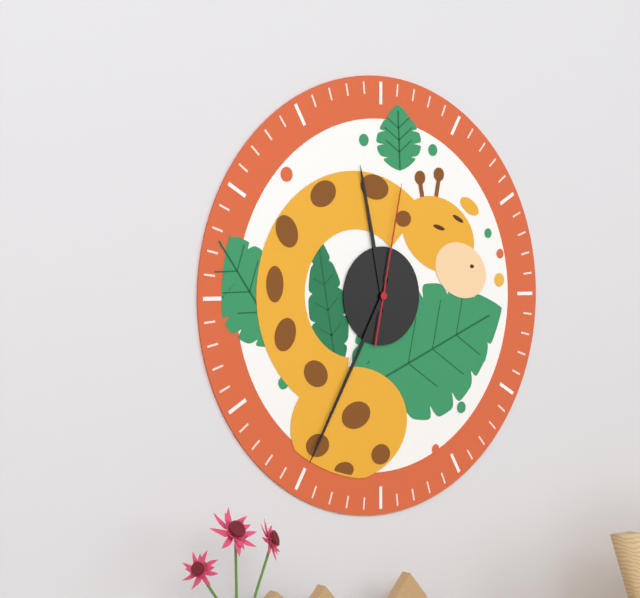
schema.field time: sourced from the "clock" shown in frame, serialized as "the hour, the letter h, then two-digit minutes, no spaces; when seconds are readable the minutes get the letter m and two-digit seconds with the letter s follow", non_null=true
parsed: 11h35m02s
